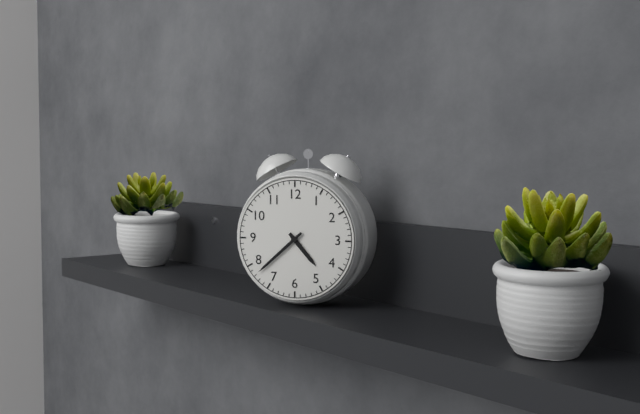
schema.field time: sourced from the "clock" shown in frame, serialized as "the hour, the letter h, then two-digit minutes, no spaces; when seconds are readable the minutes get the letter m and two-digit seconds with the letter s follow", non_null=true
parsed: 4h38
